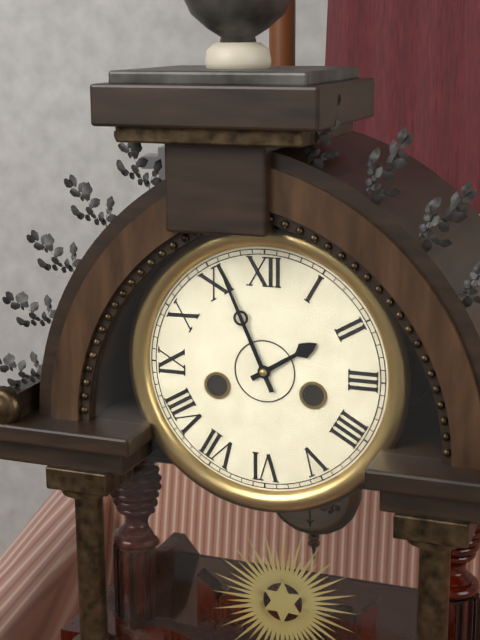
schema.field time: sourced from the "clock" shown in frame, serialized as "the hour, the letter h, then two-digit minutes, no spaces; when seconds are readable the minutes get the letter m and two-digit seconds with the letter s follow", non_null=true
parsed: 1h56
